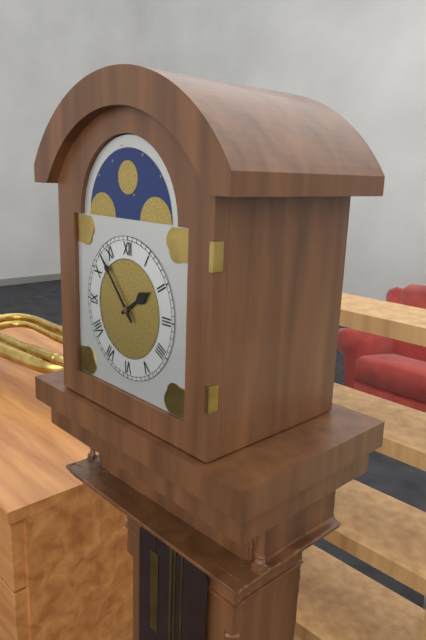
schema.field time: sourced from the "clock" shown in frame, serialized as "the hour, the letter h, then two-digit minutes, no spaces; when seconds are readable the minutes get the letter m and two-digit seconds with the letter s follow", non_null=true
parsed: 1h53
